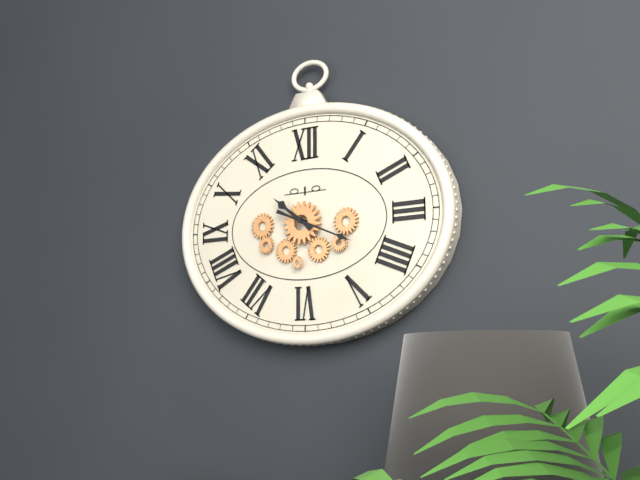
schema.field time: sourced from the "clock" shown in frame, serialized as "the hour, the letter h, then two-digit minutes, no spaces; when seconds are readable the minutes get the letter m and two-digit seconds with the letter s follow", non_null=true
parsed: 10h19
